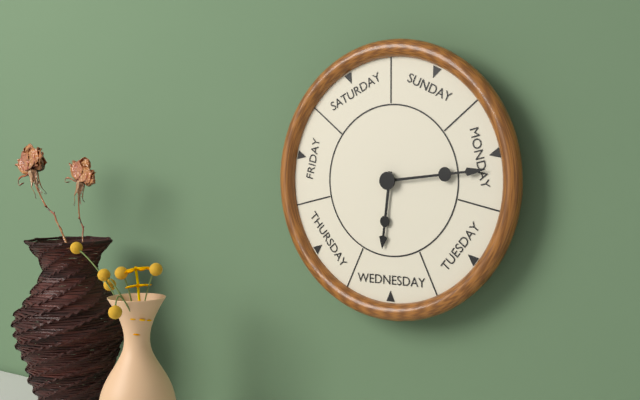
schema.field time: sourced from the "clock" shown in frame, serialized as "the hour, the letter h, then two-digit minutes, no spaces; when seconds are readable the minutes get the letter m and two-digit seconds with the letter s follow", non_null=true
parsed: 6h14
